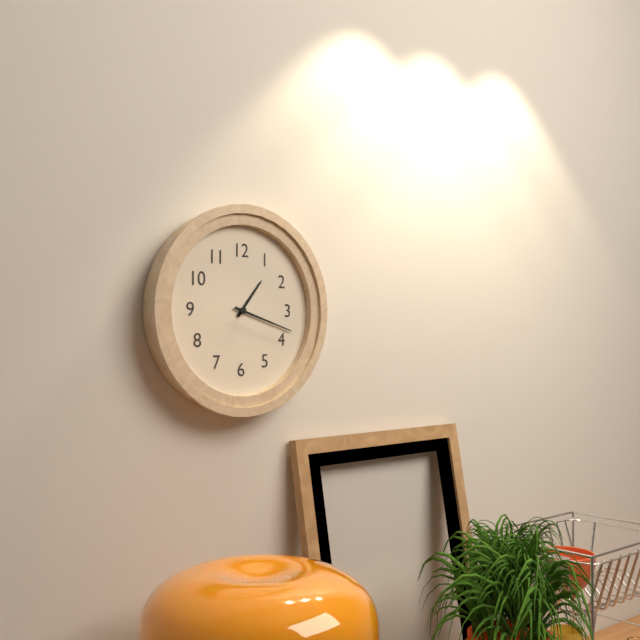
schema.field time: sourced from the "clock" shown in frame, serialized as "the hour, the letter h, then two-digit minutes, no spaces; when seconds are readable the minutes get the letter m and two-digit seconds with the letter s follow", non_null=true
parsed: 1h18
